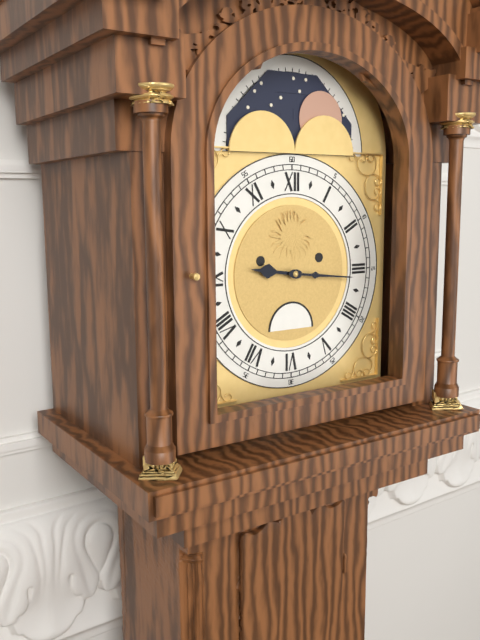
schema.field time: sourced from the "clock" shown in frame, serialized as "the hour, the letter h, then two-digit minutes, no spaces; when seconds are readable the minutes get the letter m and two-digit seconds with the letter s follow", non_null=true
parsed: 9h16
